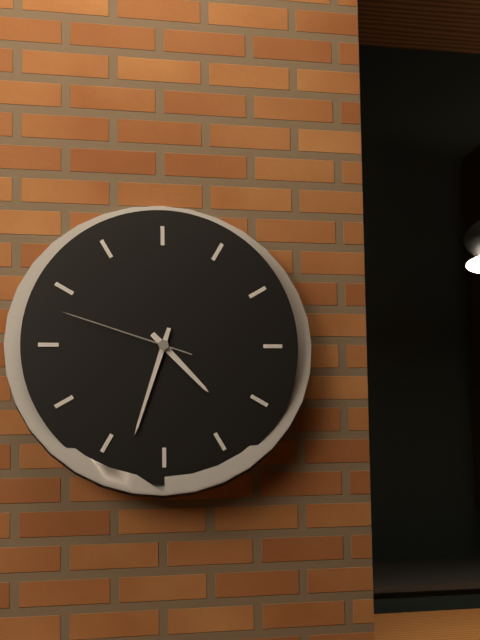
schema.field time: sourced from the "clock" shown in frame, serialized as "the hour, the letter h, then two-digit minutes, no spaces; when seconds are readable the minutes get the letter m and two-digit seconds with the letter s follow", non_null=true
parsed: 4h33m48s
